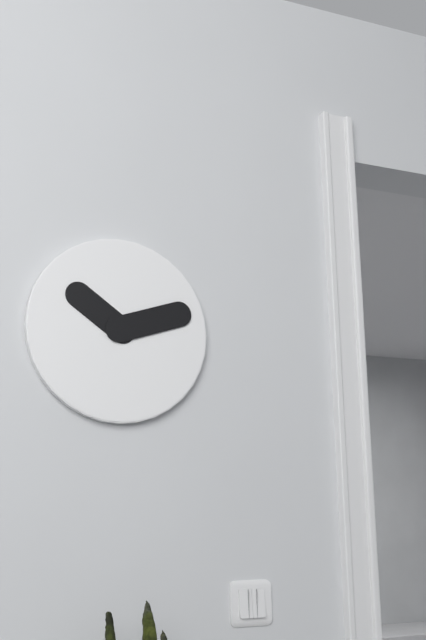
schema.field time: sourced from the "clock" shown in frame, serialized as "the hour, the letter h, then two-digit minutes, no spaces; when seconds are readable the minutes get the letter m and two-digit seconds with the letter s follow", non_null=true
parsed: 10h12
